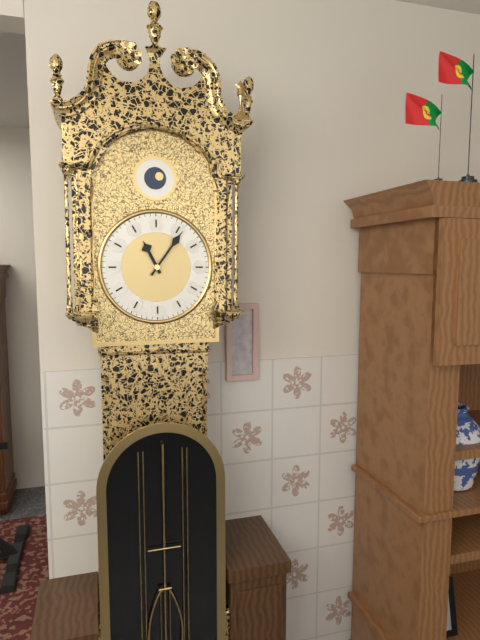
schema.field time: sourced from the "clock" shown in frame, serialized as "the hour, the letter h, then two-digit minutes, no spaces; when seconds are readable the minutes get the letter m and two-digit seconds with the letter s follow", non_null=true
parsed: 11h06
